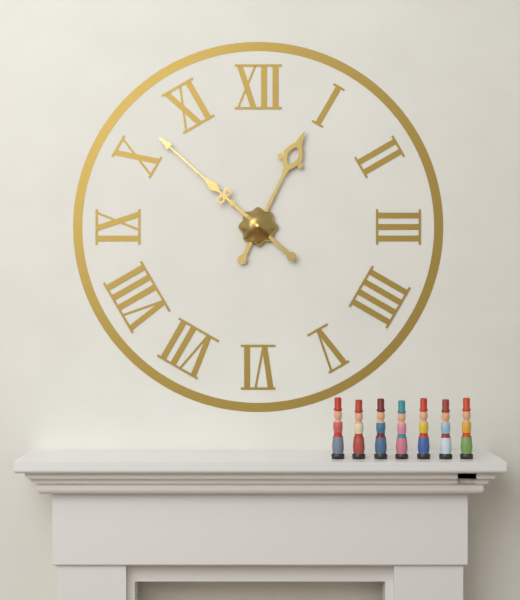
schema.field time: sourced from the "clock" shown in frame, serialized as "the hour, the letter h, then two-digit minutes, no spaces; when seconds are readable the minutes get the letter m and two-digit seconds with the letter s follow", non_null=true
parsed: 12h52
